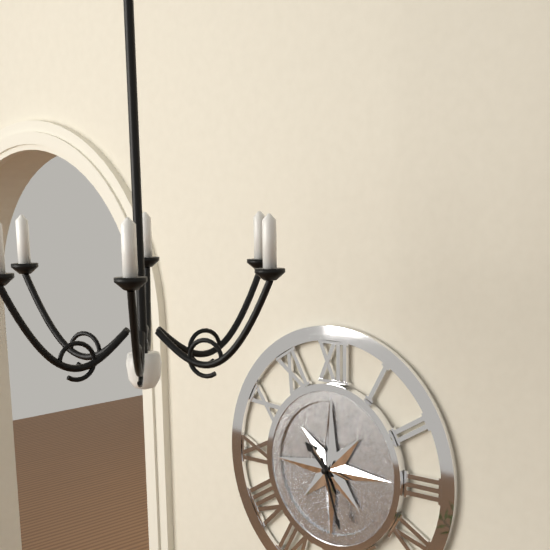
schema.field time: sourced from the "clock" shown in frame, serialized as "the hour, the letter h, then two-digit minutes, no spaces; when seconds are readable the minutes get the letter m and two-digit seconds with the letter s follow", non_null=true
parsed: 10h27
